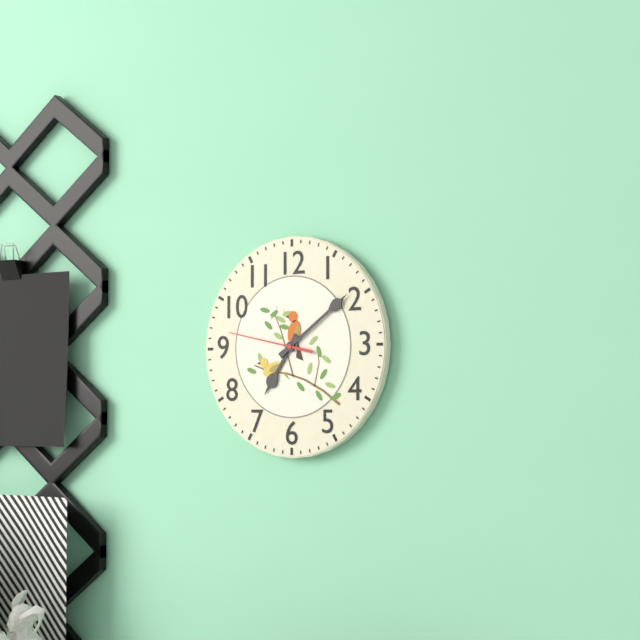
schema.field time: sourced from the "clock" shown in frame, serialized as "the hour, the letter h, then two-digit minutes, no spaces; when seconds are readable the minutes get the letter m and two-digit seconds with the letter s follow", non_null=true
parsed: 7h09m47s
